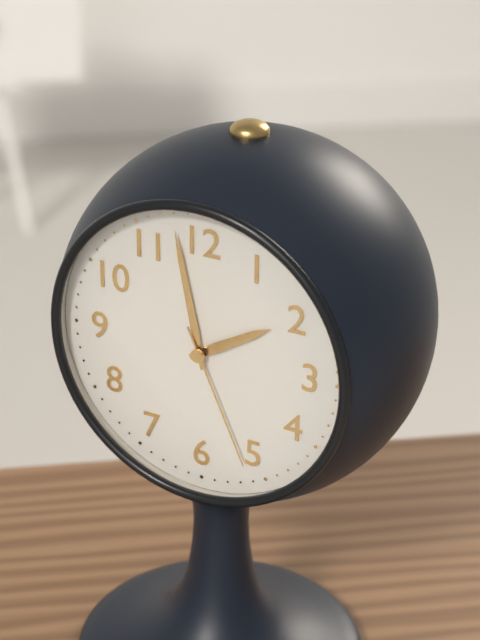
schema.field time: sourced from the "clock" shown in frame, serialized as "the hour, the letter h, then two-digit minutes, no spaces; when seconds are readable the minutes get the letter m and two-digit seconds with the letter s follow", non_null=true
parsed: 1h58m26s
